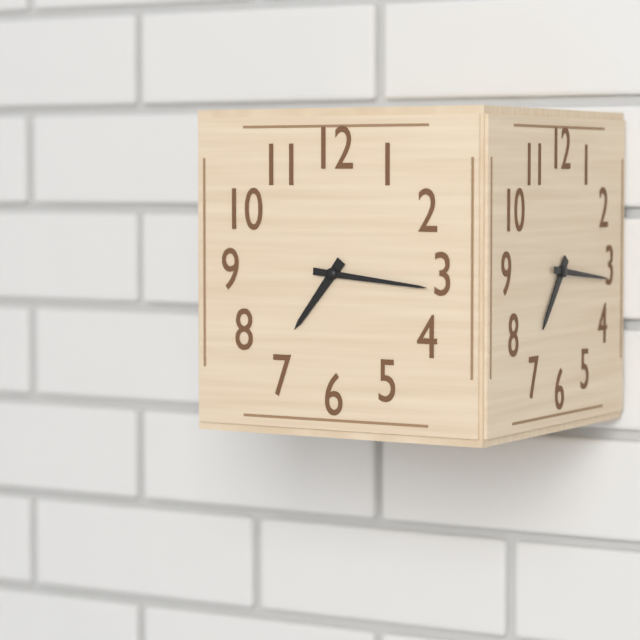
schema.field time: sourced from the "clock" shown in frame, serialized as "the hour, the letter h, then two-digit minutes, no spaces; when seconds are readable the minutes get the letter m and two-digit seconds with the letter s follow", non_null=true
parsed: 7h16
